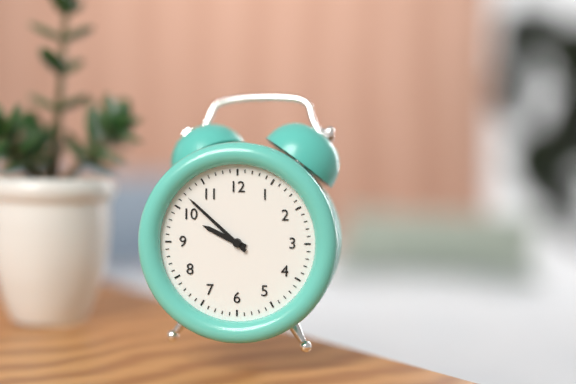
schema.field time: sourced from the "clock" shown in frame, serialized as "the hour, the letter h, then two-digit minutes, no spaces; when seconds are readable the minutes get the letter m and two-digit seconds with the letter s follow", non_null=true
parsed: 9h52
